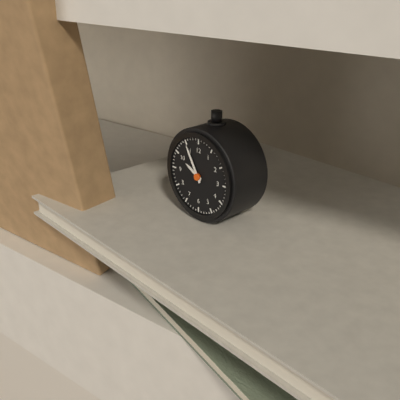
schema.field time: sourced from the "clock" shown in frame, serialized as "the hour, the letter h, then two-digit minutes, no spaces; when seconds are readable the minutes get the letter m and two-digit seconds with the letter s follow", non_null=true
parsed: 9h55
